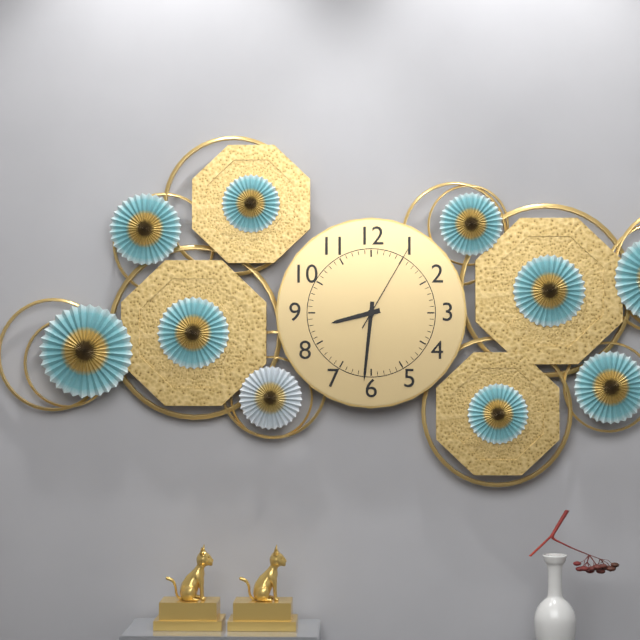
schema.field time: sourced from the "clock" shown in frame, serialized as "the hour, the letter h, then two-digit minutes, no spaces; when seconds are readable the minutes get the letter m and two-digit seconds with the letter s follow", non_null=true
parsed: 8h31m05s
